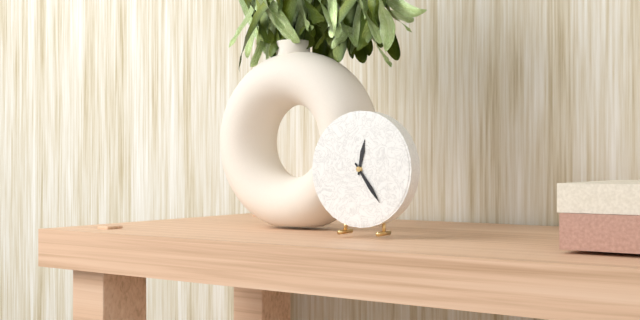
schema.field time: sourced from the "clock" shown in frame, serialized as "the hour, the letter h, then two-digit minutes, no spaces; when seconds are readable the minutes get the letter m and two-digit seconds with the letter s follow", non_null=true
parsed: 12h24
